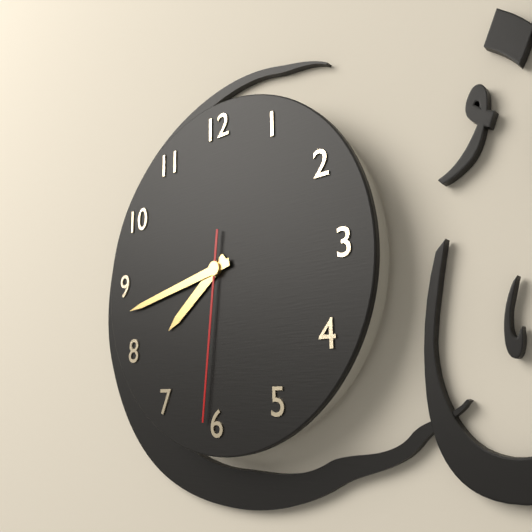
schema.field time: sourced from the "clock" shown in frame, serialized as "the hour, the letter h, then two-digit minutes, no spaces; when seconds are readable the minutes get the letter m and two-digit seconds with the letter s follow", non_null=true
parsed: 7h43m31s
